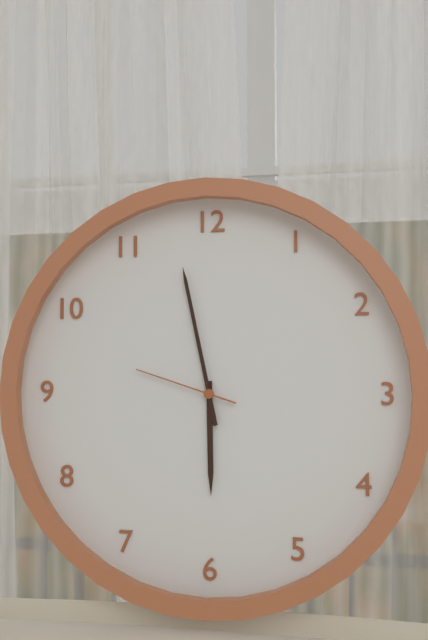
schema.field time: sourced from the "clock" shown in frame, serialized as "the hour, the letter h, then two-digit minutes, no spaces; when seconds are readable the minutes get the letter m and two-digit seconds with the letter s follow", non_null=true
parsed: 5h58m48s
